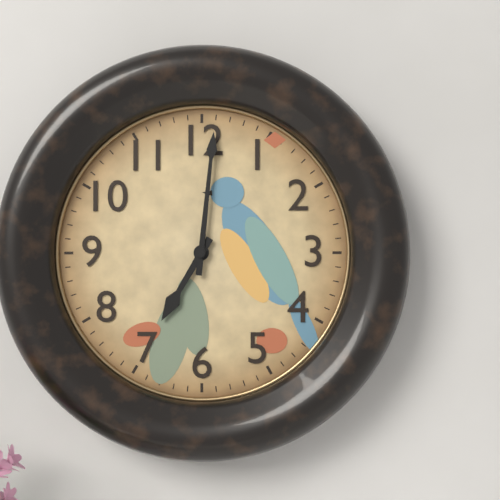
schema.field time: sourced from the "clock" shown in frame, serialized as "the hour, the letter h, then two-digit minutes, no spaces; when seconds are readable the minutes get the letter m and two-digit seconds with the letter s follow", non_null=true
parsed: 7h01
